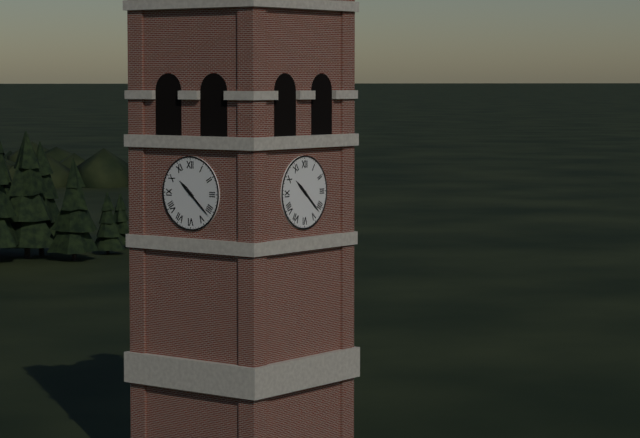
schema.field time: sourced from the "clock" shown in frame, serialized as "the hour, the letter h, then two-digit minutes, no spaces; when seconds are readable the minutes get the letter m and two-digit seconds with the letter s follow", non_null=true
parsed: 10h22
